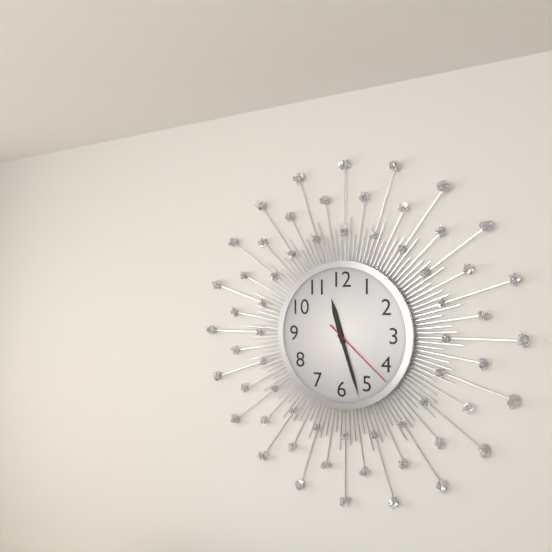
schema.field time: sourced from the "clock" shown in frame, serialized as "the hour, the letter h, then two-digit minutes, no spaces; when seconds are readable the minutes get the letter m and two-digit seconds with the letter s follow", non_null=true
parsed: 11h27m22s
